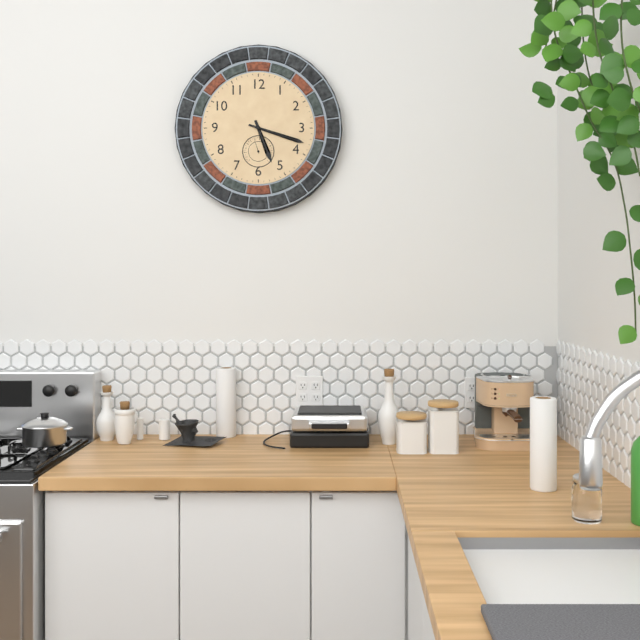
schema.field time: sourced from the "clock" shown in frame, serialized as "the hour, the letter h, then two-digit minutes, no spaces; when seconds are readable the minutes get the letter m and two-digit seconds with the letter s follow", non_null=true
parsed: 5h18
